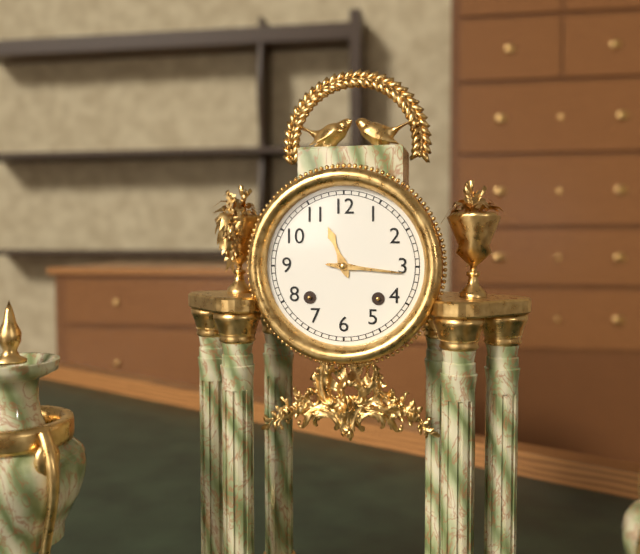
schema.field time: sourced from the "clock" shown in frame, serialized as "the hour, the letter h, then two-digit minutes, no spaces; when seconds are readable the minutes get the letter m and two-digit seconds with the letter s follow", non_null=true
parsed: 11h16
